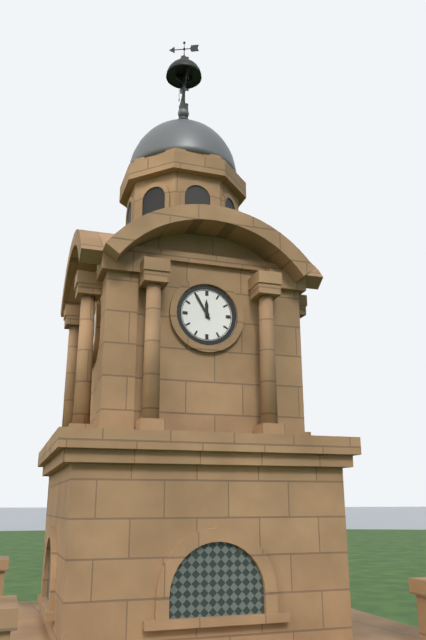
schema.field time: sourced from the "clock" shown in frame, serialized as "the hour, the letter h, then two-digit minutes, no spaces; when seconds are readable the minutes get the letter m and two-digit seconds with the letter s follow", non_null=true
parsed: 11h55
